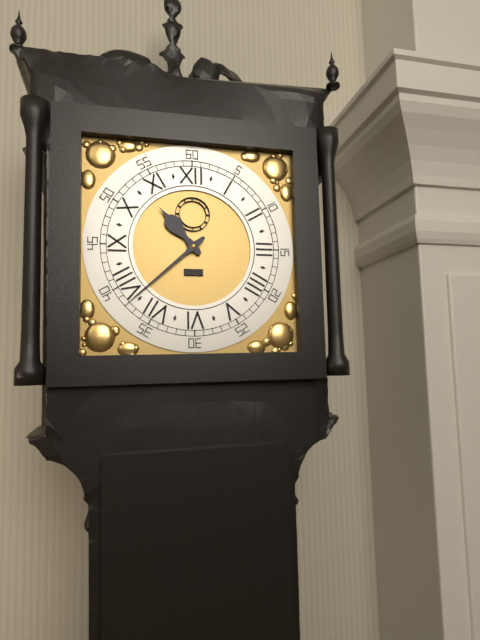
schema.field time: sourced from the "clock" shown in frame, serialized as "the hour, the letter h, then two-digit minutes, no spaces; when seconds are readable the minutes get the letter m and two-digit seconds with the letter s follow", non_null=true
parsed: 10h38
